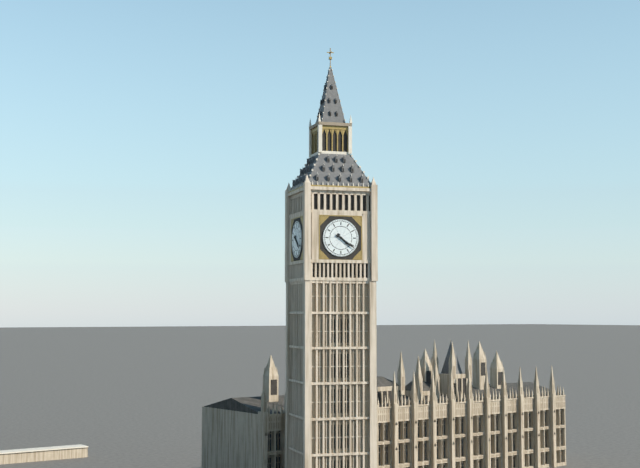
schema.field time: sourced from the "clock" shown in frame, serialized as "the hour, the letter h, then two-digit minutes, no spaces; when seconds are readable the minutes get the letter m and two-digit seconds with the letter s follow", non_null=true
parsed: 4h21
